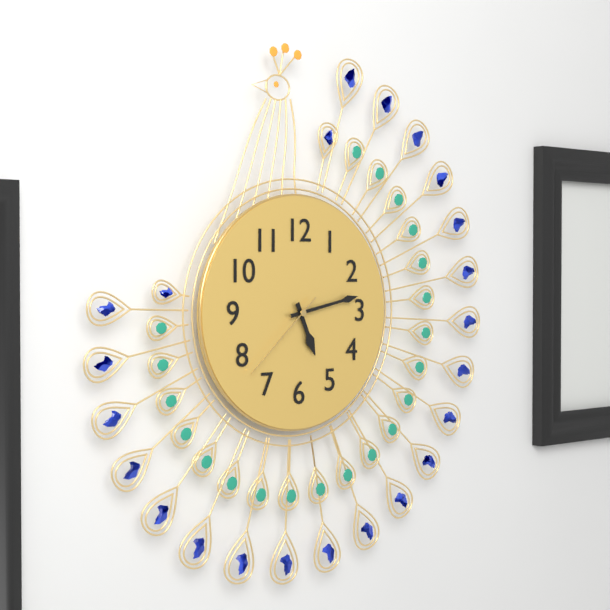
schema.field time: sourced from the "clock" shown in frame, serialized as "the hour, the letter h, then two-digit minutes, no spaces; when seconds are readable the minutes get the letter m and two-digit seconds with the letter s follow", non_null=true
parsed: 5h13m38s
